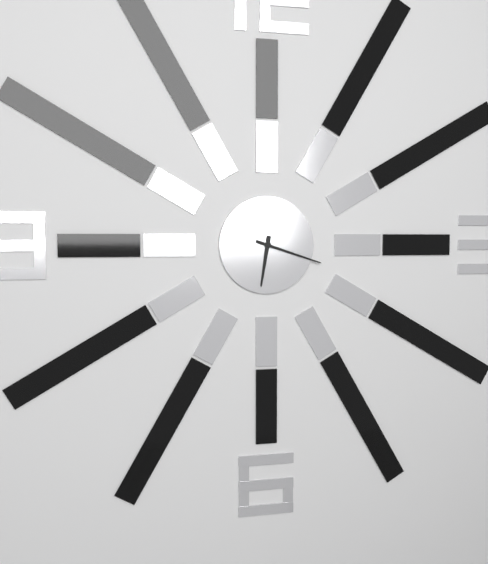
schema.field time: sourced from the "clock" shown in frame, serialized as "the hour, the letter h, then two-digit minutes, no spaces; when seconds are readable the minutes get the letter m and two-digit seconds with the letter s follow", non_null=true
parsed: 6h18
